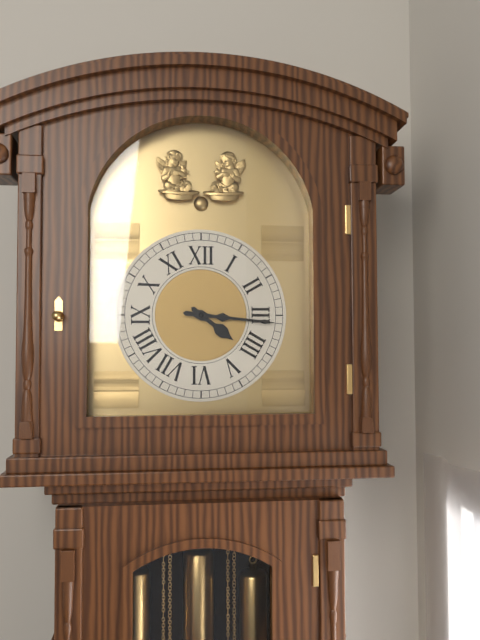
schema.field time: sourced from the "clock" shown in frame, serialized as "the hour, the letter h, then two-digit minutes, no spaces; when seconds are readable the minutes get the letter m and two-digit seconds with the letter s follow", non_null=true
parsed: 4h16
